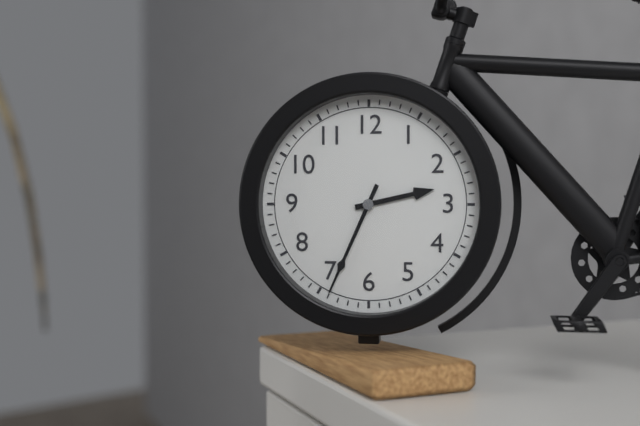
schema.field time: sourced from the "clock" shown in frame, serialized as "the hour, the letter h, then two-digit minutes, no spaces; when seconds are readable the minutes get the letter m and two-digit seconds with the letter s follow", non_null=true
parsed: 2h34
